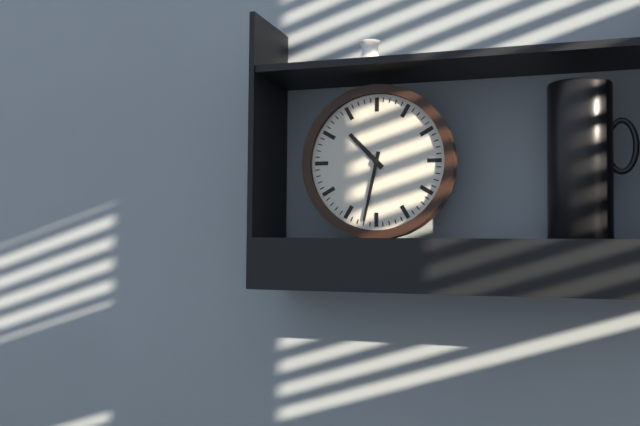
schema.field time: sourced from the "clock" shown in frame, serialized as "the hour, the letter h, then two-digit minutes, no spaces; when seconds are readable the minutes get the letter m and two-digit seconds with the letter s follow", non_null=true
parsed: 10h32
